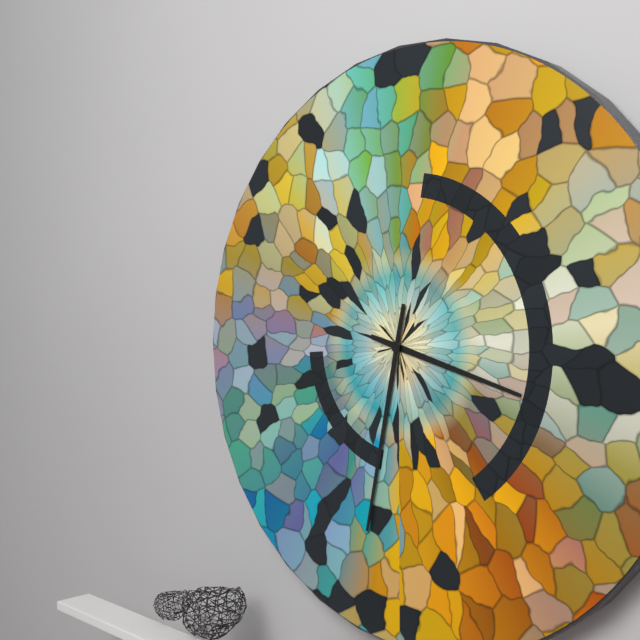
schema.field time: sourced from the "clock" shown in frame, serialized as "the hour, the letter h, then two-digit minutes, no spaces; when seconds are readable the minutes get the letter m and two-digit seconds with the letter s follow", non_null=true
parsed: 3h32
